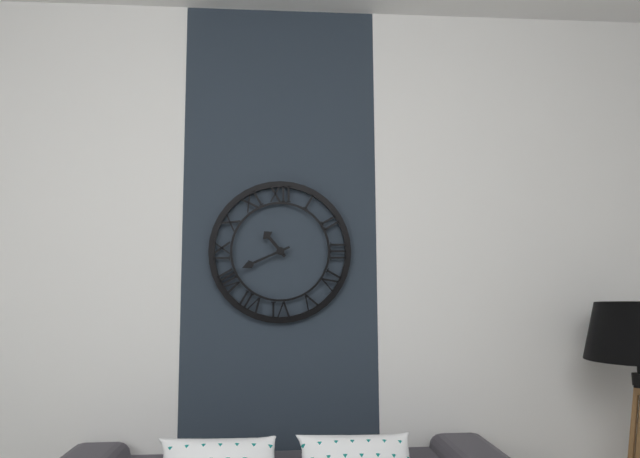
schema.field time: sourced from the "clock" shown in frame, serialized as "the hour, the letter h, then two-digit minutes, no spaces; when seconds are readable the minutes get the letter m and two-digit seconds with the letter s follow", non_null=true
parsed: 10h41
